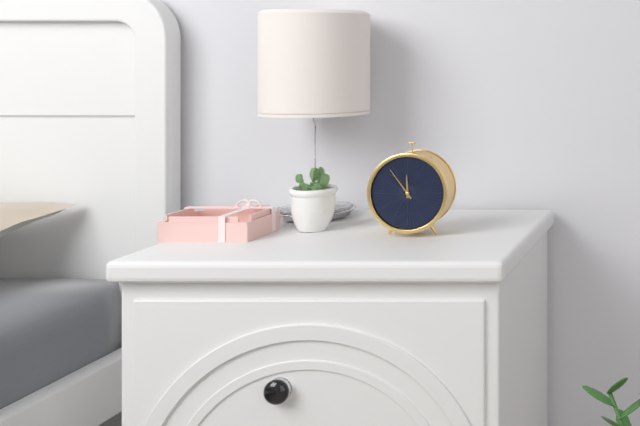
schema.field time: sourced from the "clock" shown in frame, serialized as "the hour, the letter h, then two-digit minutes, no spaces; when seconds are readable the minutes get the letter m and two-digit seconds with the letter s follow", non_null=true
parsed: 11h54
